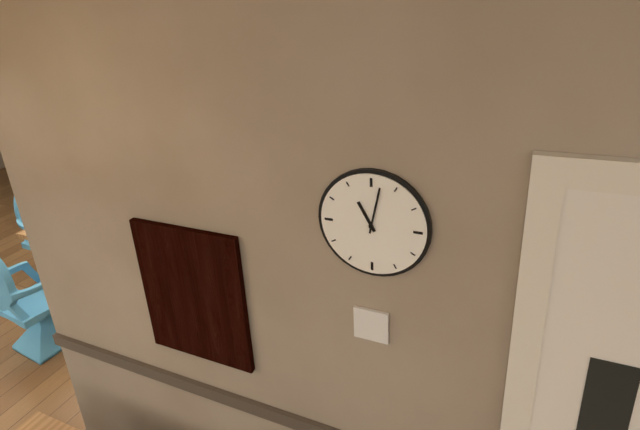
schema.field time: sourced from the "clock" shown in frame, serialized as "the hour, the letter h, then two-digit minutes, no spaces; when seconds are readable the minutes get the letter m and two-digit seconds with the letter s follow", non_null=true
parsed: 11h02
